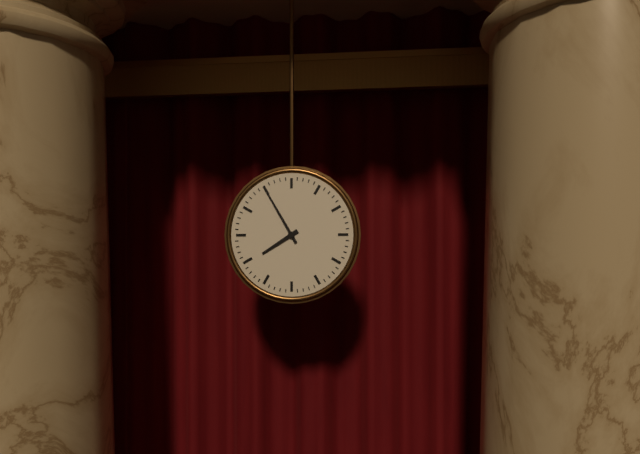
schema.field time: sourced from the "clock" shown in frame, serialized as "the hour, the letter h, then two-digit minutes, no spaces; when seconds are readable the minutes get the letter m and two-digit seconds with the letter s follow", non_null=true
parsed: 7h55
